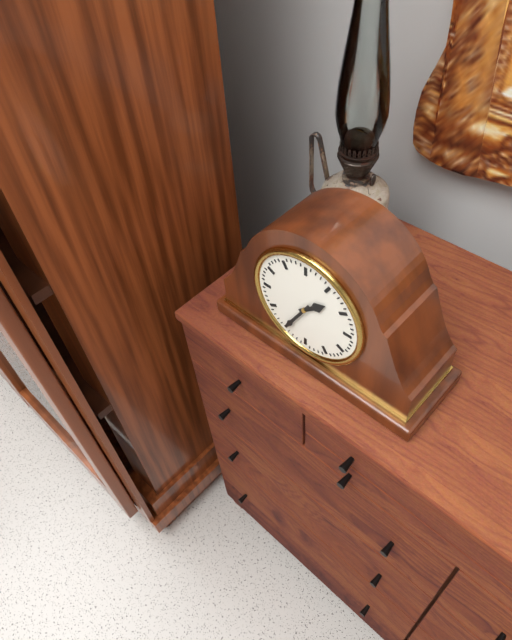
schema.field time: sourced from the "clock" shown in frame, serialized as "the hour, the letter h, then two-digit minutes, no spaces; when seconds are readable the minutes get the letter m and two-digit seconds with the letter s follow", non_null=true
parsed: 1h35
